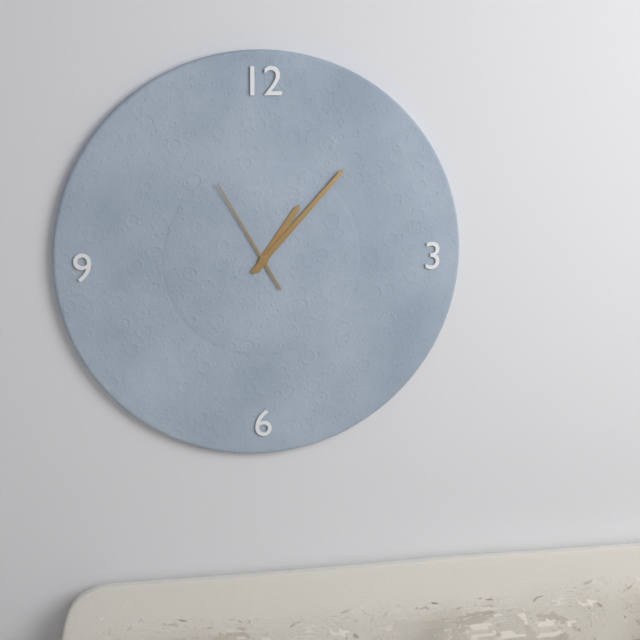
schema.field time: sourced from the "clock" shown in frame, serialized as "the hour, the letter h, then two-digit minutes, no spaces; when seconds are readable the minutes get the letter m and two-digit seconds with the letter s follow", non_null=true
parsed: 1h07m55s
